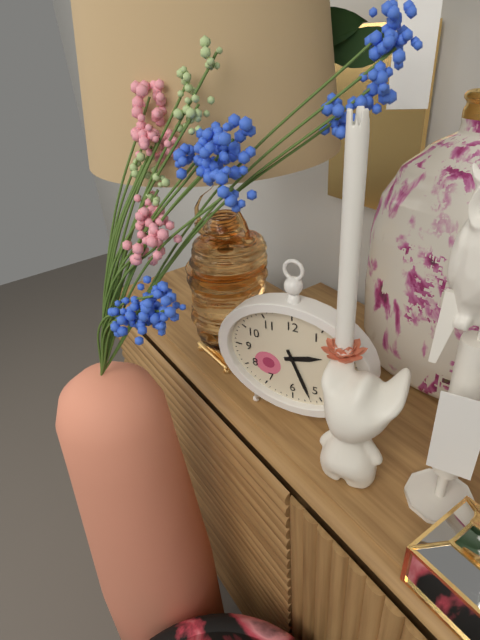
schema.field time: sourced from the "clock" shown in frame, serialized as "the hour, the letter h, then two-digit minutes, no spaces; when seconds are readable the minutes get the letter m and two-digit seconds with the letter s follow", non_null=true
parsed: 2h26
